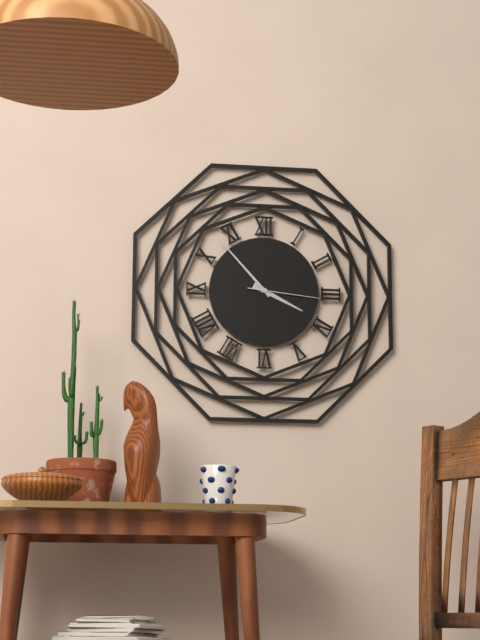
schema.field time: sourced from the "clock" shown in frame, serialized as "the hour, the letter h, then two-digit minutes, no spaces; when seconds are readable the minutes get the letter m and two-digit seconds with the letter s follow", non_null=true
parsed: 3h53m16s
